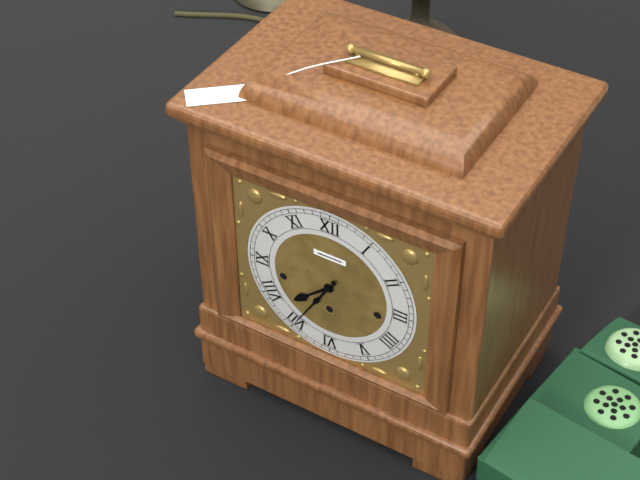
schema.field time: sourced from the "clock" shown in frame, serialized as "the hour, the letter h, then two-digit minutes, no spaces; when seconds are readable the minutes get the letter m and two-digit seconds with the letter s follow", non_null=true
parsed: 7h35
